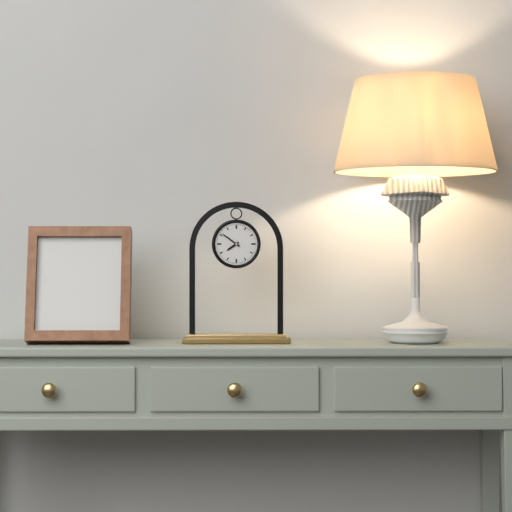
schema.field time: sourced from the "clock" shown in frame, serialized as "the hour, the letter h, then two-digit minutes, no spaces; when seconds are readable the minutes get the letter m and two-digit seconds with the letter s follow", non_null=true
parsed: 7h51
